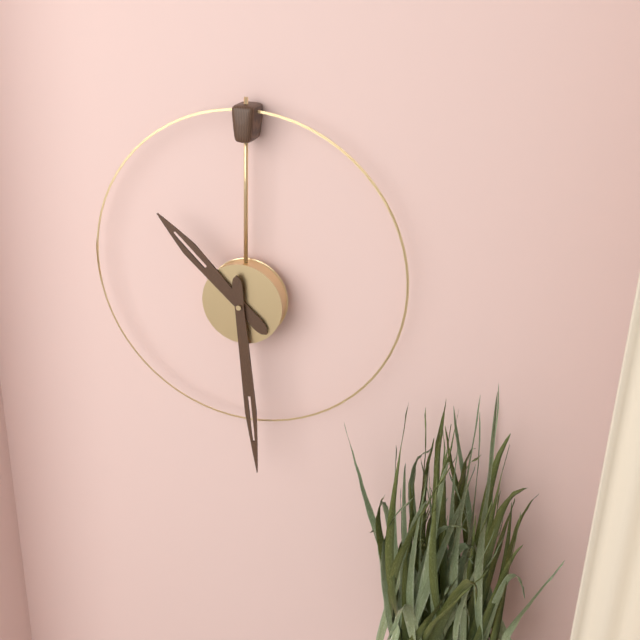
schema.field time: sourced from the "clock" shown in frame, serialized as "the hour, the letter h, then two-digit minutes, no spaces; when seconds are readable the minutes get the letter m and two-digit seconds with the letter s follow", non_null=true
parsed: 10h29
